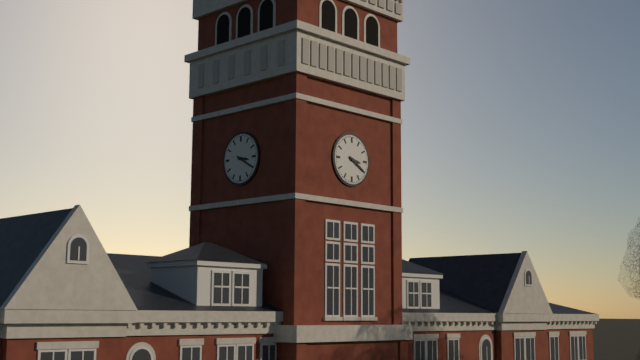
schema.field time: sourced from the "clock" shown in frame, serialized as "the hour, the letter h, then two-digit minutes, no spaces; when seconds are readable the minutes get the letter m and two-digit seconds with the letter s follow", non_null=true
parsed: 3h20
